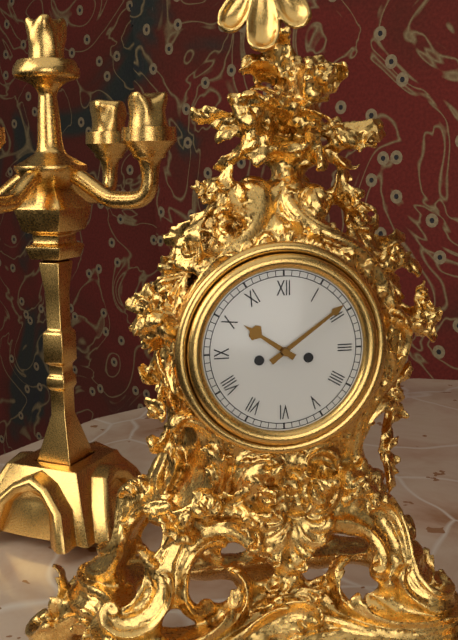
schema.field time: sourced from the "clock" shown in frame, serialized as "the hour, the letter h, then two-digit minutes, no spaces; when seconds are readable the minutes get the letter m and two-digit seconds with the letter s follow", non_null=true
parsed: 10h09
